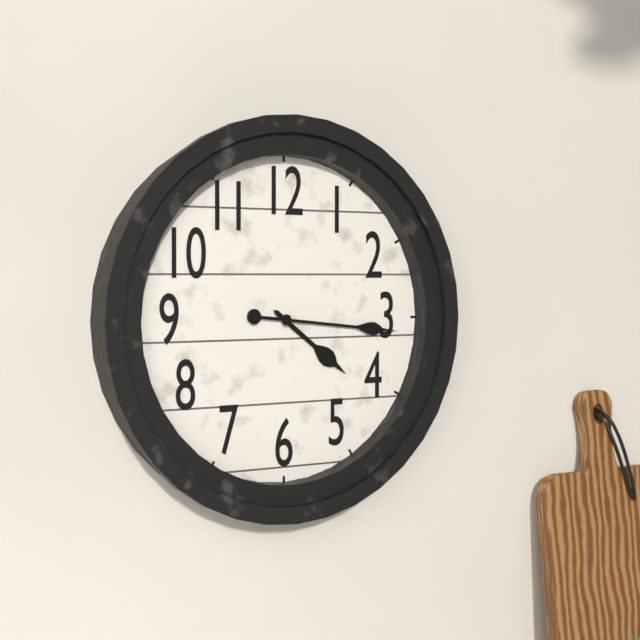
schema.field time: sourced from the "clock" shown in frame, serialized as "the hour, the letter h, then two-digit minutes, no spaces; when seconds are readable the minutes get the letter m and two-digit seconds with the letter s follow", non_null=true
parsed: 4h16
